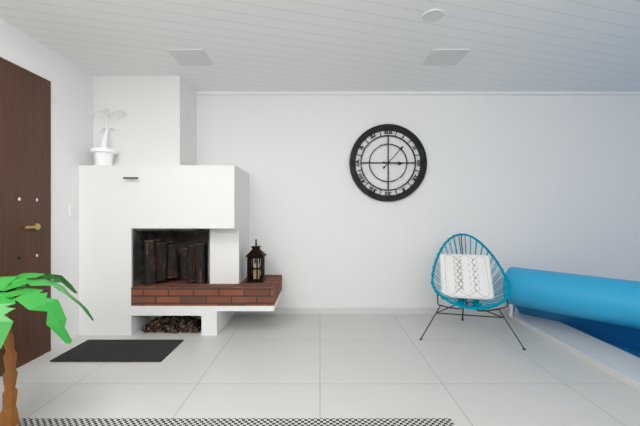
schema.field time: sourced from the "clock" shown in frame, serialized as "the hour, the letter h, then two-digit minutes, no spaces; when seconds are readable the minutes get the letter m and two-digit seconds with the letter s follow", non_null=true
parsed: 3h07
